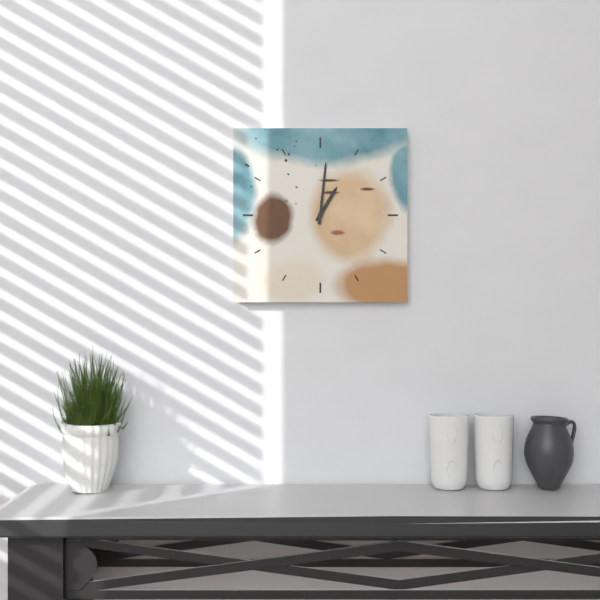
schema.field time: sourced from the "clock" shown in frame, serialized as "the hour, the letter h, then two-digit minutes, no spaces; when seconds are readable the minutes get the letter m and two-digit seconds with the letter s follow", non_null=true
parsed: 1h01
